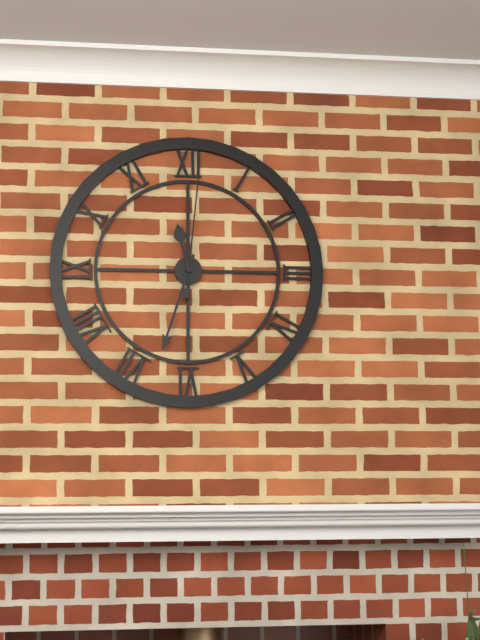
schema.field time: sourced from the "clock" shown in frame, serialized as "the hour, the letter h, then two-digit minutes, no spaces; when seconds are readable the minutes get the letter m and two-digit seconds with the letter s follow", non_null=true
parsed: 11h33m01s
